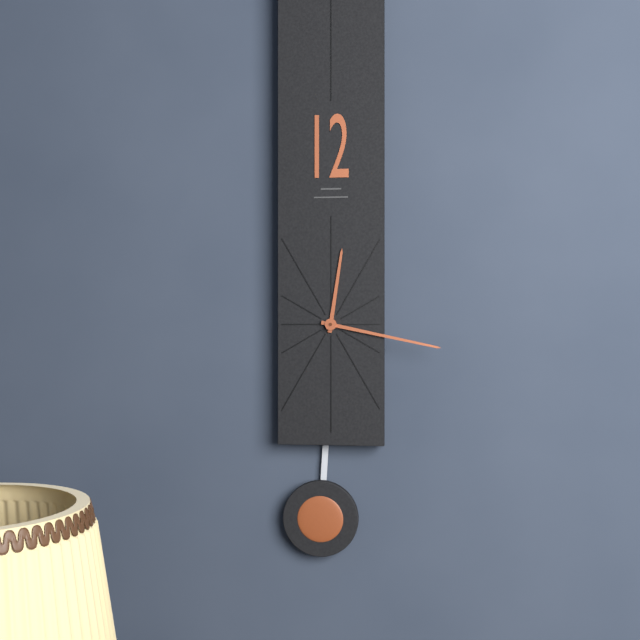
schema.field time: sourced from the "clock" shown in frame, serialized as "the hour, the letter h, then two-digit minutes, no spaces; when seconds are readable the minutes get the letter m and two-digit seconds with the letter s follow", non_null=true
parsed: 12h17
